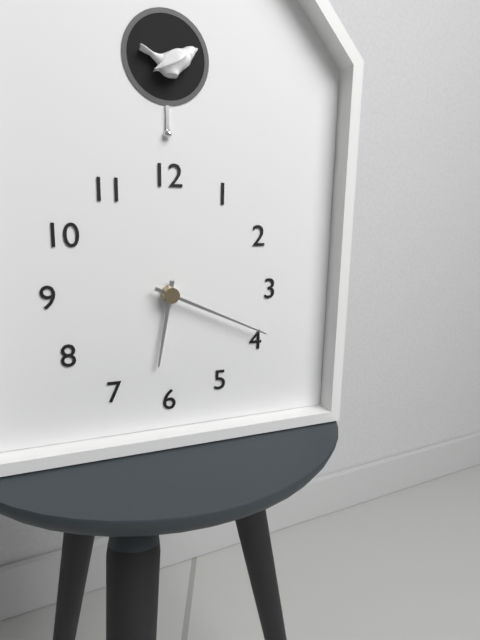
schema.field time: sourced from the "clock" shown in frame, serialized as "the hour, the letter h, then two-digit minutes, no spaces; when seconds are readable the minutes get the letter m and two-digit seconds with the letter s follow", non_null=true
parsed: 6h19
